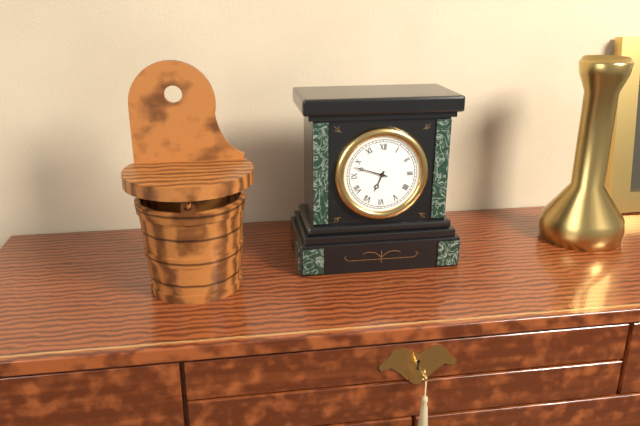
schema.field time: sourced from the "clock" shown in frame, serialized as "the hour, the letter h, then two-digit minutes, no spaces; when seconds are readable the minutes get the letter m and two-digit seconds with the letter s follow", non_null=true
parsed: 6h48
